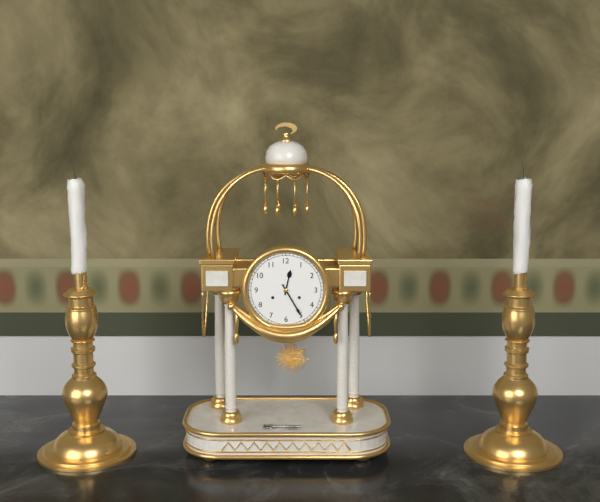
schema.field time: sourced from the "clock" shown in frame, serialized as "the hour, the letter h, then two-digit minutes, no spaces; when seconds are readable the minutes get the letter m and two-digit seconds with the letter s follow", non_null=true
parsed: 12h25
